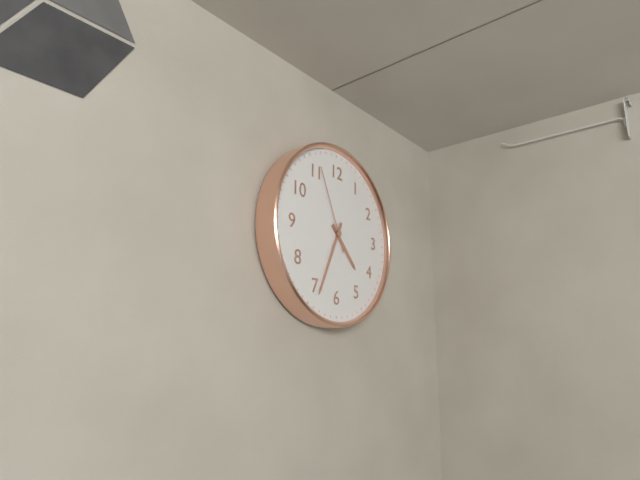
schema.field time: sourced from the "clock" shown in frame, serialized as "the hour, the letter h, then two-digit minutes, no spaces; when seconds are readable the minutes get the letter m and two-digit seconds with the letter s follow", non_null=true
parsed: 4h34m56s
